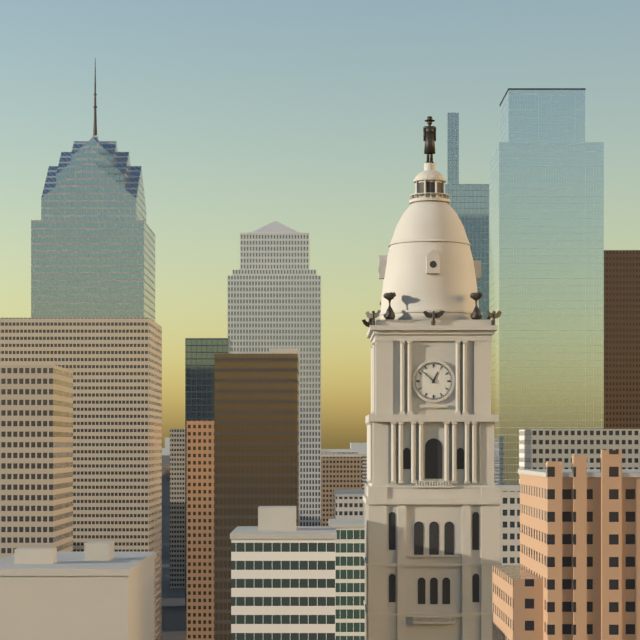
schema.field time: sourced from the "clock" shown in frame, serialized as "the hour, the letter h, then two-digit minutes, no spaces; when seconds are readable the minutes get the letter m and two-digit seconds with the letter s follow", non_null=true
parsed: 12h52
